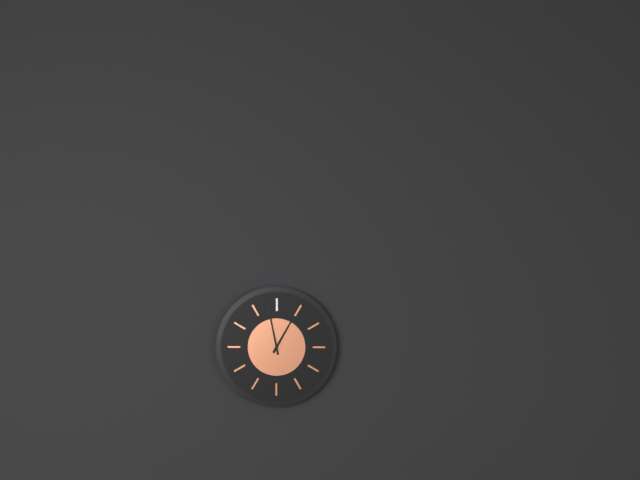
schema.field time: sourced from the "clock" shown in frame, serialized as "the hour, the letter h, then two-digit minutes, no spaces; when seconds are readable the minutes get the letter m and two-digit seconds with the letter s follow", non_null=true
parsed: 12h58
